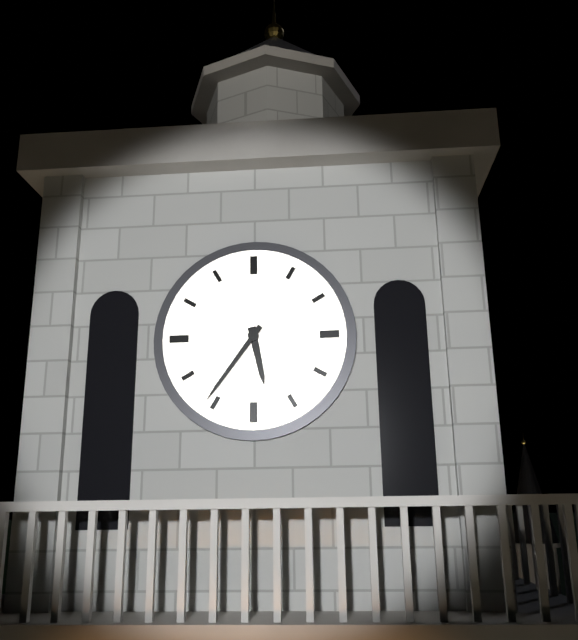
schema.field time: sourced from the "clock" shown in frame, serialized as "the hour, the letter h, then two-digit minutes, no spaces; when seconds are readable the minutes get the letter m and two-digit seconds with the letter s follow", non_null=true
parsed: 5h36
